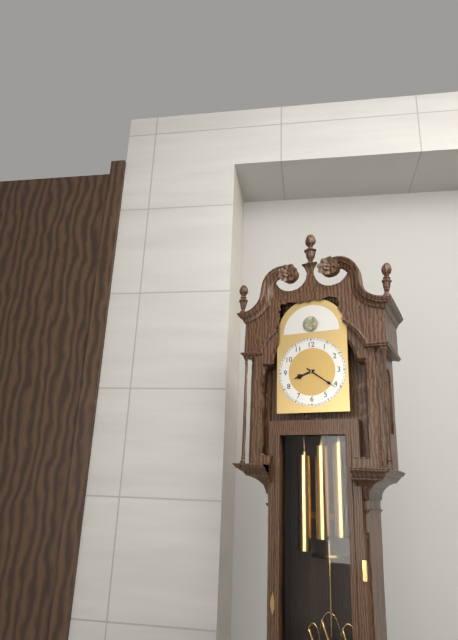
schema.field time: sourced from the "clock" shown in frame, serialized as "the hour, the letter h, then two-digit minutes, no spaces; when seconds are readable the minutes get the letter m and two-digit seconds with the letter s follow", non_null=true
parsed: 8h21
